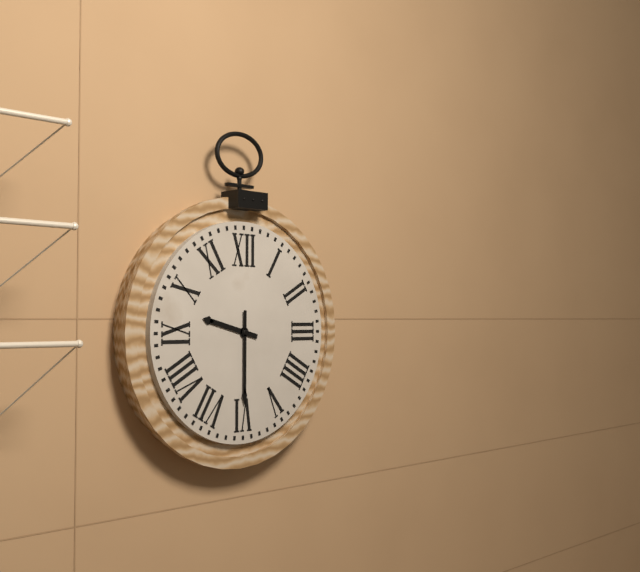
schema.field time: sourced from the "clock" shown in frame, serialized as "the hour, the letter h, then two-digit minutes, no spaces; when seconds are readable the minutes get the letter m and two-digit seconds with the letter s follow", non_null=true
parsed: 9h30
